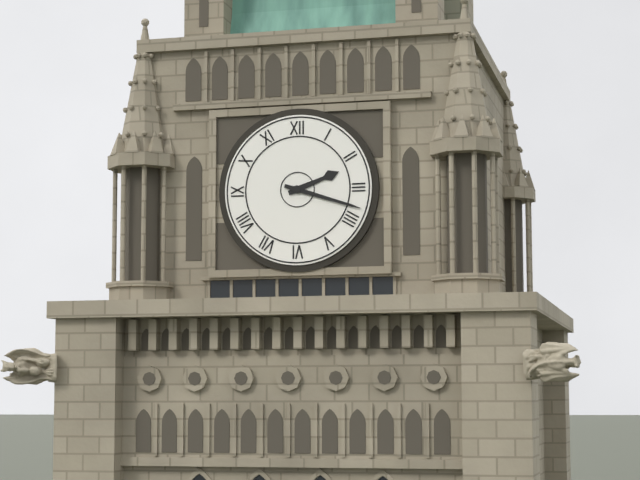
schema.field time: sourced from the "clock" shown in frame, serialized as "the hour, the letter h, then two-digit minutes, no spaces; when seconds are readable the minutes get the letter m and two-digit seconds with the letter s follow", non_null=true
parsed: 2h18
